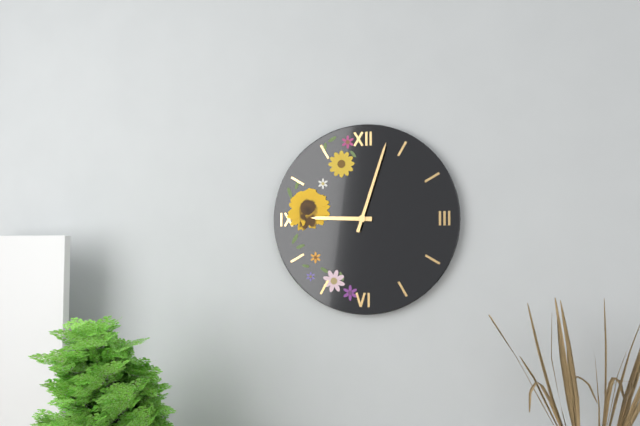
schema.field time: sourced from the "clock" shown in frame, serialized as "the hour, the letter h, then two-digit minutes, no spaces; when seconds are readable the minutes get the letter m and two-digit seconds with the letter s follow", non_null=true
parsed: 9h03
